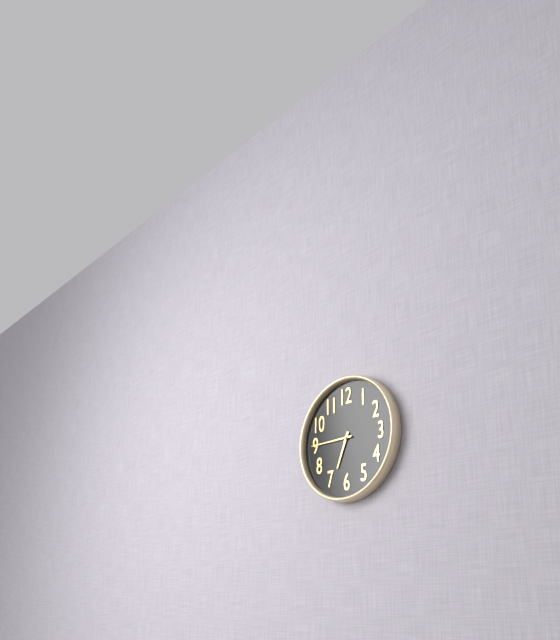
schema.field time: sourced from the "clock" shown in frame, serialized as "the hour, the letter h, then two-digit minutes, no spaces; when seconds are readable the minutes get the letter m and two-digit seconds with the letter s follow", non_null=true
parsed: 6h45
